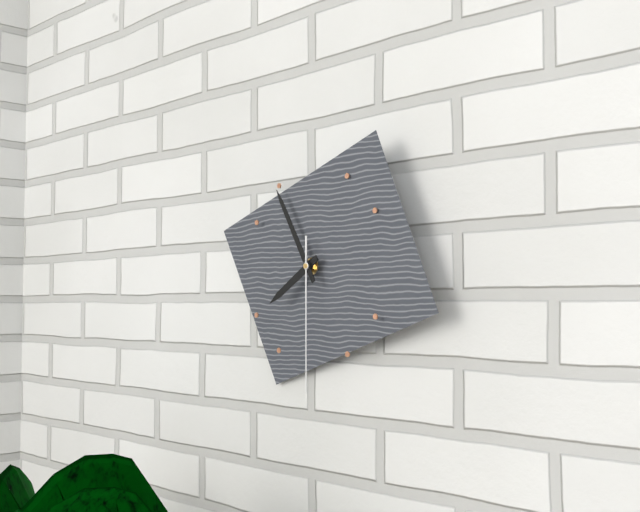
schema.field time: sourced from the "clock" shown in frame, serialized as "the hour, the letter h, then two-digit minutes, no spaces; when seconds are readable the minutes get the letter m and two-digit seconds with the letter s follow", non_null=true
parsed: 7h55m30s
